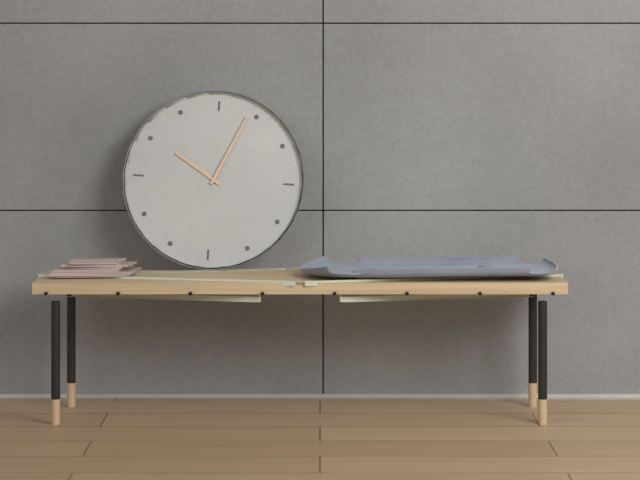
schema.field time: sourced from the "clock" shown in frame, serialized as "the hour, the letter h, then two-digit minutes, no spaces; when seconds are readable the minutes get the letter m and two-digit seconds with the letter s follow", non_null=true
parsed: 10h04
